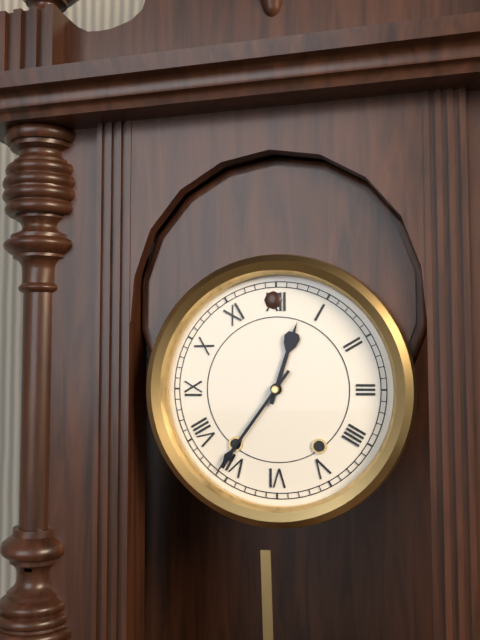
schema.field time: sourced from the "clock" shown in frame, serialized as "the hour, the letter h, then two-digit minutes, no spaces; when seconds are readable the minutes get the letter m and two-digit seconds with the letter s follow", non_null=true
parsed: 12h36
